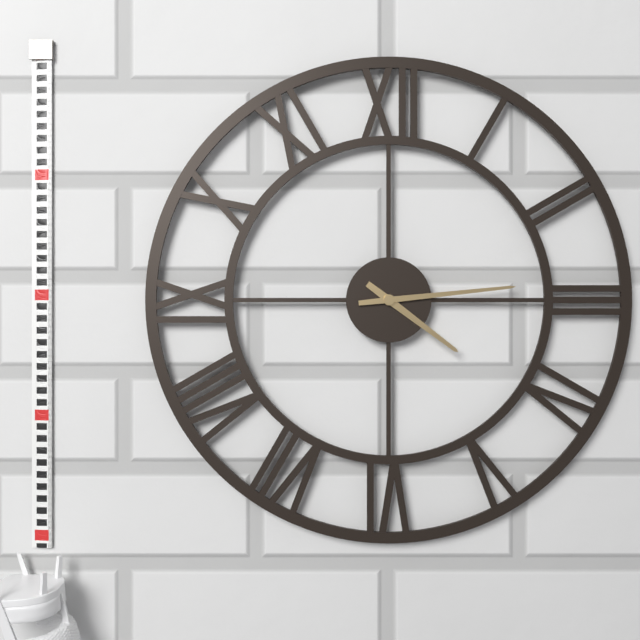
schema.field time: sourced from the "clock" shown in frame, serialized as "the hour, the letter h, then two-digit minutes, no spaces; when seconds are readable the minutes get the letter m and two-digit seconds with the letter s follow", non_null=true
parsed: 4h14
